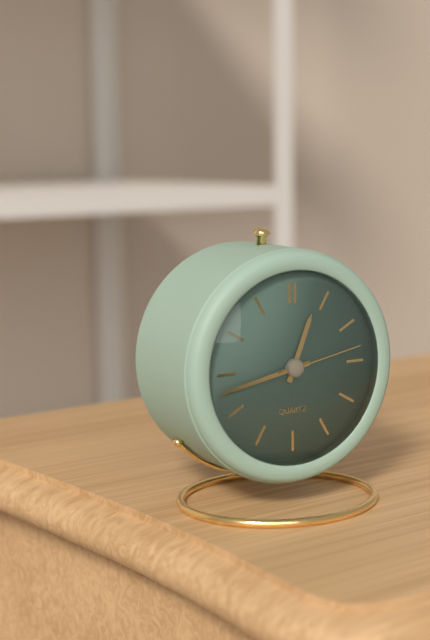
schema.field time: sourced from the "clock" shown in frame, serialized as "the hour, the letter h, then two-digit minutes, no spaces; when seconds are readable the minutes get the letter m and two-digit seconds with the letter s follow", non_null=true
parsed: 12h43m13s
